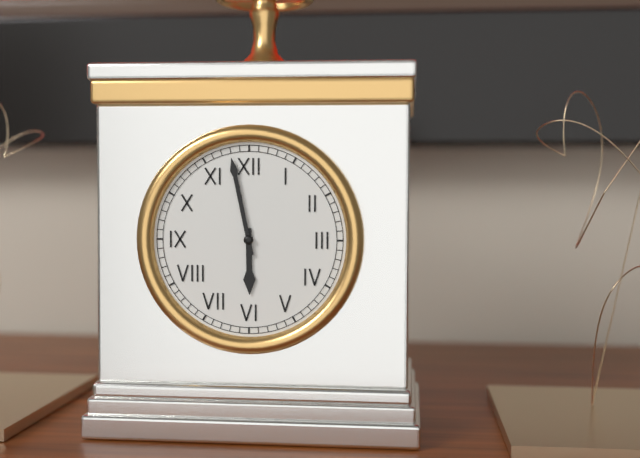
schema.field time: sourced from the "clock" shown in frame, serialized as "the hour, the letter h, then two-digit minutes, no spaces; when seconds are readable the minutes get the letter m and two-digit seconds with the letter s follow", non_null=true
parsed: 5h58
